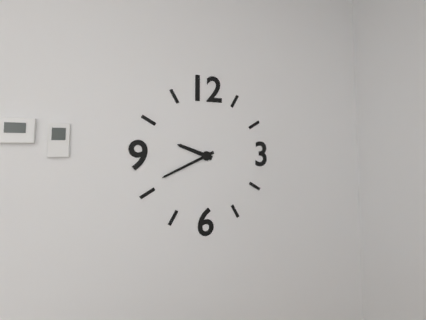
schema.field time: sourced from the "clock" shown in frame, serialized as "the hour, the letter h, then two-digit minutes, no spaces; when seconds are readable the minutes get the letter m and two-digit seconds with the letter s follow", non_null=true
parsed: 9h41
